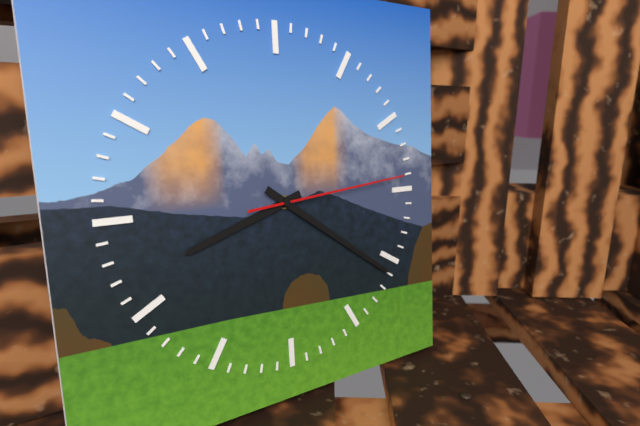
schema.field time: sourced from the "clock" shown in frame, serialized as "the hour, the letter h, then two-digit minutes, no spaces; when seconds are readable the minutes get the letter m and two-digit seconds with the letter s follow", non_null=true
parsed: 8h21m14s
